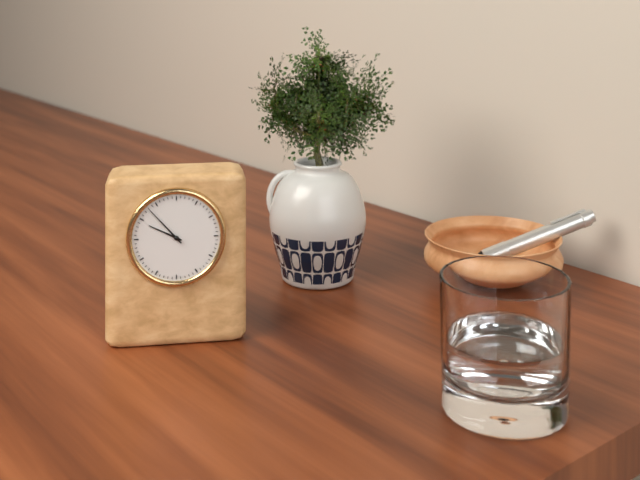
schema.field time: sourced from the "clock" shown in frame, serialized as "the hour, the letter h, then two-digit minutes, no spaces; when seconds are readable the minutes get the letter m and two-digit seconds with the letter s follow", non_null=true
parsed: 9h53
